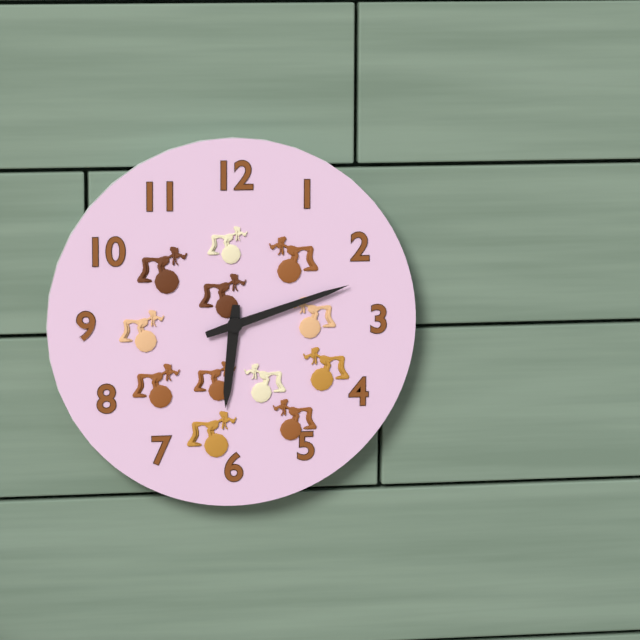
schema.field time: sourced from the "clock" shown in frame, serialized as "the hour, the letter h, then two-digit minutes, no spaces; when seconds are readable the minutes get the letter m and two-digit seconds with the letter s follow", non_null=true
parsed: 6h12
